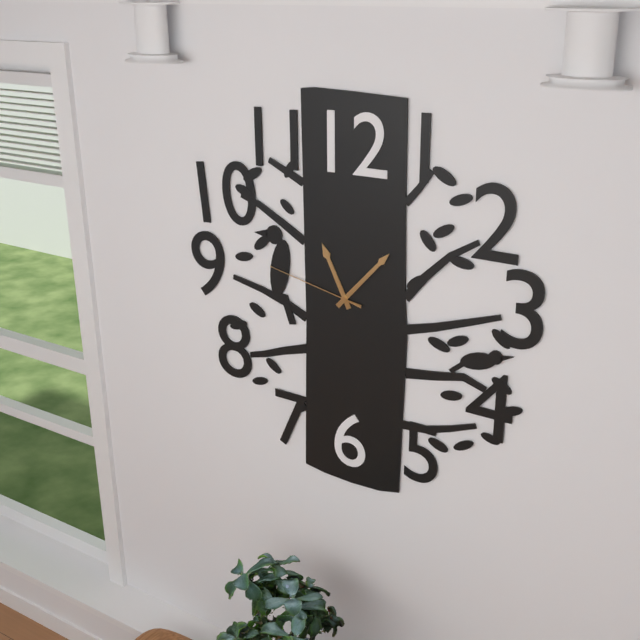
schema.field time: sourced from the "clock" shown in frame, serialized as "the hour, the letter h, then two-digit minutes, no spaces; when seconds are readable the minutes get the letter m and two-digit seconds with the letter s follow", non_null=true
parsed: 11h07m47s
